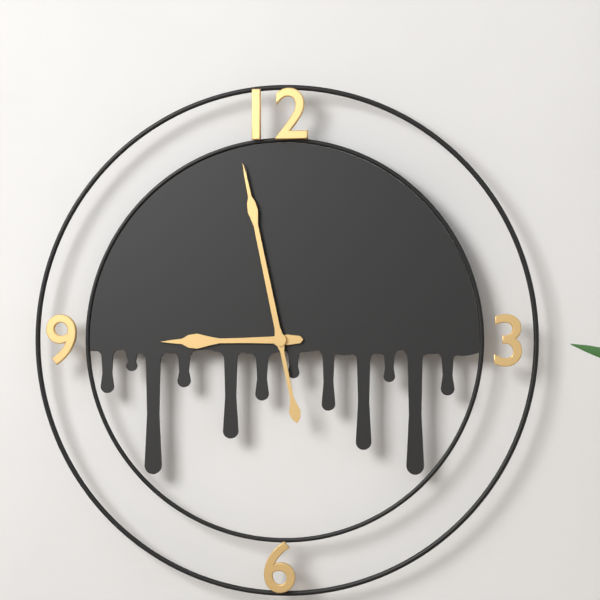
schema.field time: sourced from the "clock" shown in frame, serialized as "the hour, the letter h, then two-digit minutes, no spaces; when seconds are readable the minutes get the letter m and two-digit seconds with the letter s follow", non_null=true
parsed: 8h58
